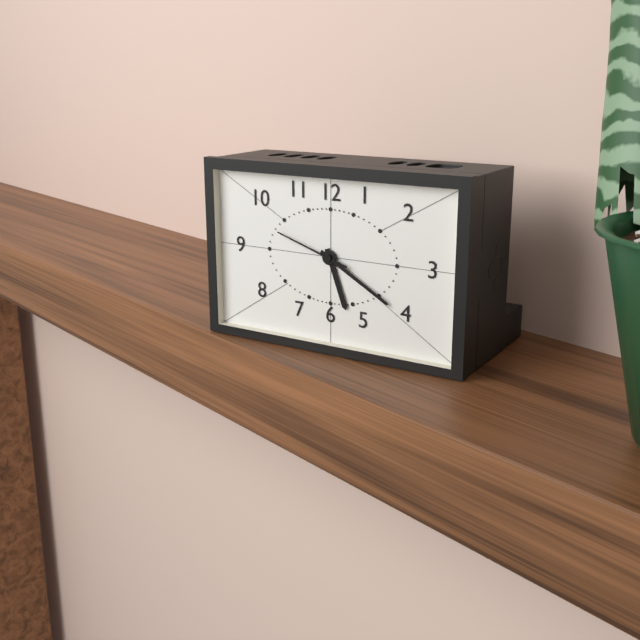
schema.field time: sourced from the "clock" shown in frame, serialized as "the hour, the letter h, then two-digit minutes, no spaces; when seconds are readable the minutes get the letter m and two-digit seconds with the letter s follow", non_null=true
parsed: 5h20m48s
